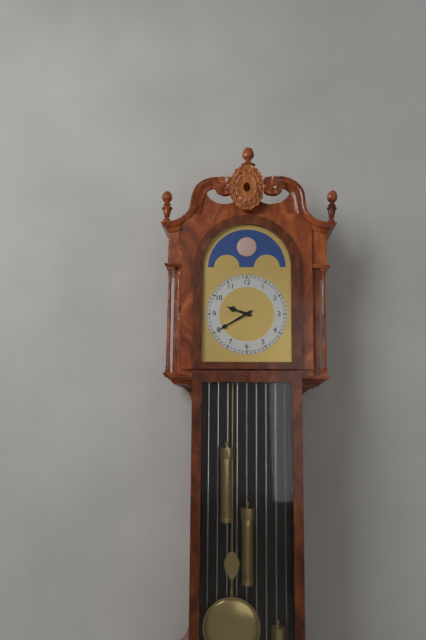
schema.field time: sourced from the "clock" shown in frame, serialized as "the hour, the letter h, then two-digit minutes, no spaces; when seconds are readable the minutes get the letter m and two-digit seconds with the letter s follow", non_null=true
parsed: 9h40
